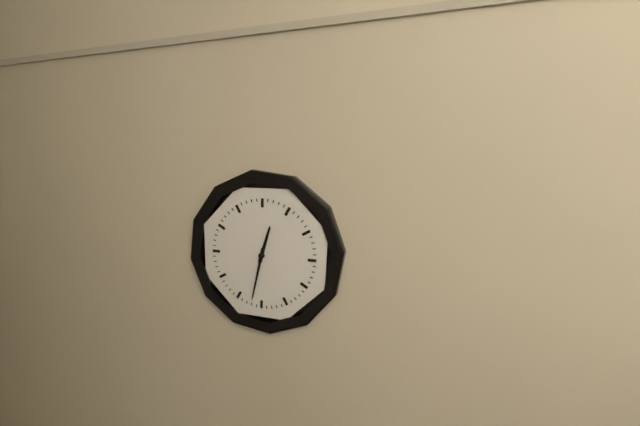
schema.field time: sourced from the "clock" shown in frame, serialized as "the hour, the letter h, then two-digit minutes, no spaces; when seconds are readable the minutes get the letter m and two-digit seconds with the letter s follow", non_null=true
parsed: 12h32
